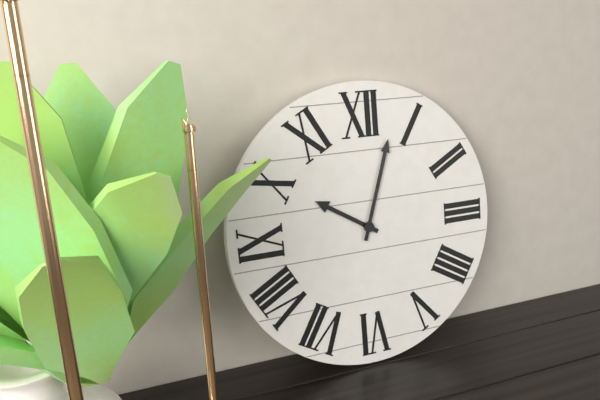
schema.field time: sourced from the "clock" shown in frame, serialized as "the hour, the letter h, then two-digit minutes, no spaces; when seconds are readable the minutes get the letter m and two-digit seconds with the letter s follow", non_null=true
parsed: 10h03
